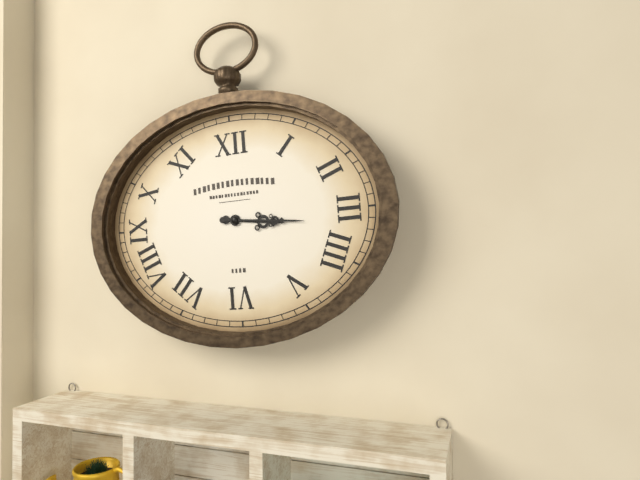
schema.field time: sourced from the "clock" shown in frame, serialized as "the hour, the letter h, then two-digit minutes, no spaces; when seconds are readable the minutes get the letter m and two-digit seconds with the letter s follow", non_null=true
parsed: 3h16
